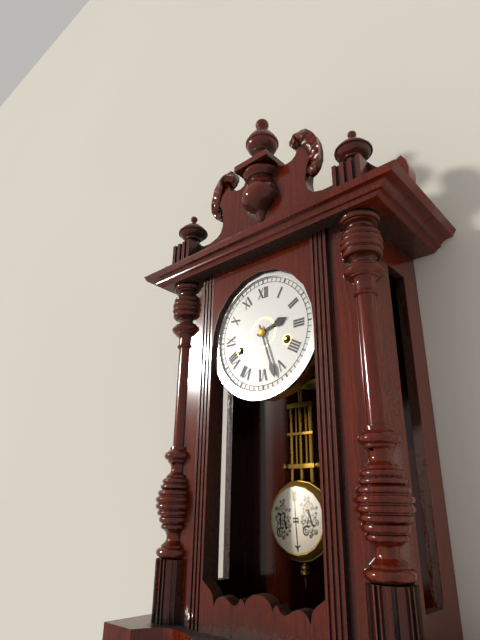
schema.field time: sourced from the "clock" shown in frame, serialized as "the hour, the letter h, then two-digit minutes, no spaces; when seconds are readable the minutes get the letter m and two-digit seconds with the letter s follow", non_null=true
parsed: 2h27
